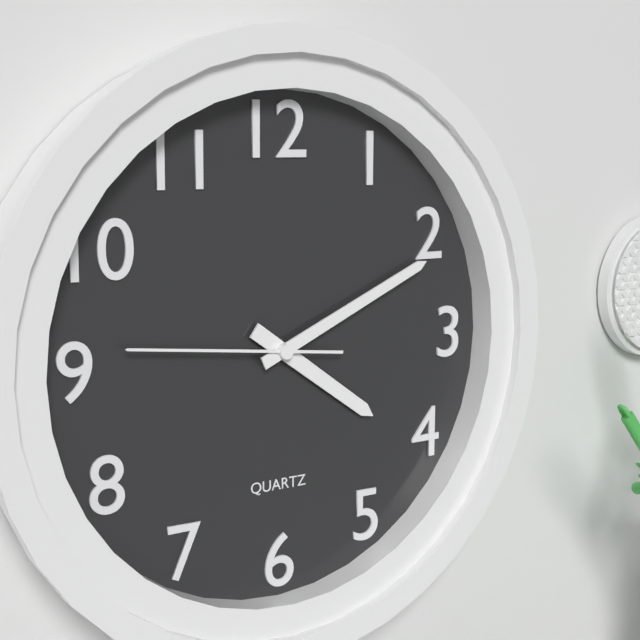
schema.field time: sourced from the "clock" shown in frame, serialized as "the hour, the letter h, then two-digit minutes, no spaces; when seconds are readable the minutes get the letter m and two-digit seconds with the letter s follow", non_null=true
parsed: 4h11m46s
